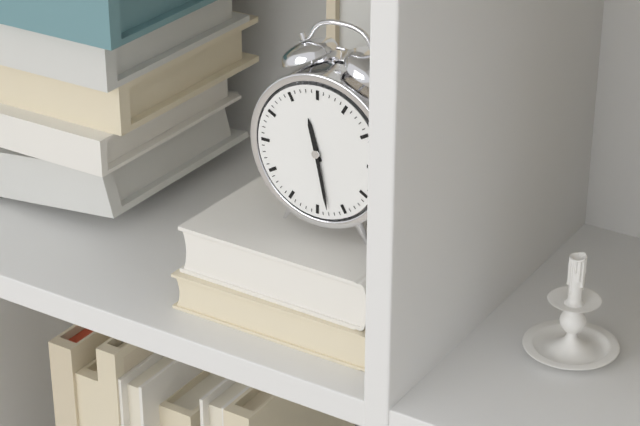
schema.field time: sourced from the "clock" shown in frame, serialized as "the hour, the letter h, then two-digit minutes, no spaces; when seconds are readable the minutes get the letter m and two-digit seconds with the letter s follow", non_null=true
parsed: 11h28
